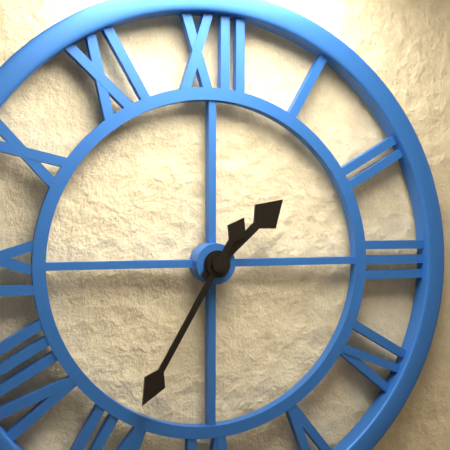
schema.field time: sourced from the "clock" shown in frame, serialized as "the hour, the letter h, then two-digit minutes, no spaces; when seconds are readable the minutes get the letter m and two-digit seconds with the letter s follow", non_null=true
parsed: 1h35
